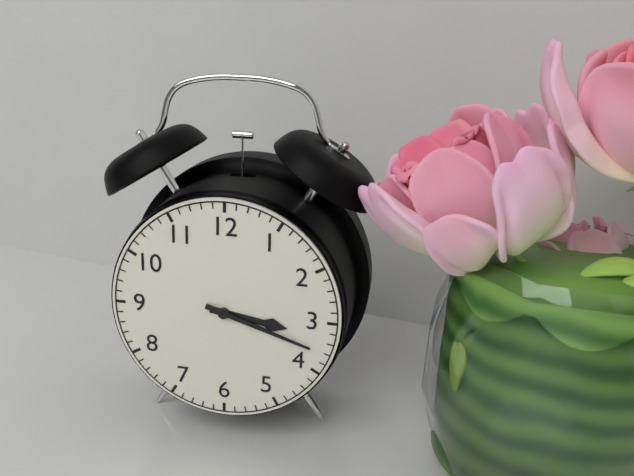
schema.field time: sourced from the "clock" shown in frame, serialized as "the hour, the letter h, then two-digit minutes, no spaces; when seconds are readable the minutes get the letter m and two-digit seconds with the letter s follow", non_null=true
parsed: 3h18
